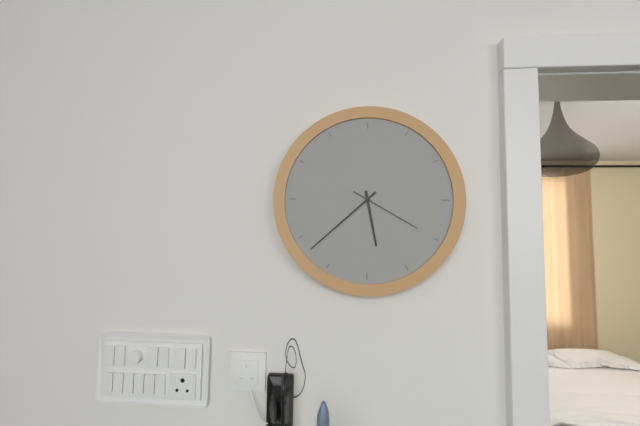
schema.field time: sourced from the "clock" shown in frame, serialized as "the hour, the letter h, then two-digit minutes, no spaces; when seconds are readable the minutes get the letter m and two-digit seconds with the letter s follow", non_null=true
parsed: 5h38m20s
